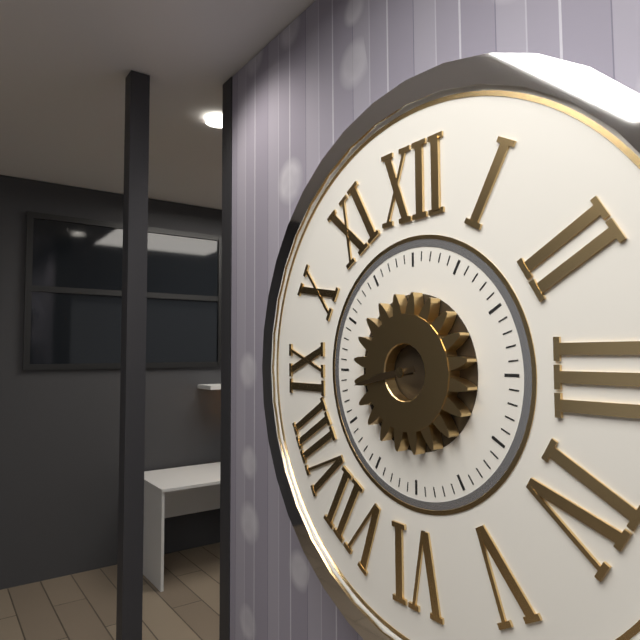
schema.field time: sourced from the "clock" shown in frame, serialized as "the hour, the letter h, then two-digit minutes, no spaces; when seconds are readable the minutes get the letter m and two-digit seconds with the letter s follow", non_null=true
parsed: 8h43
